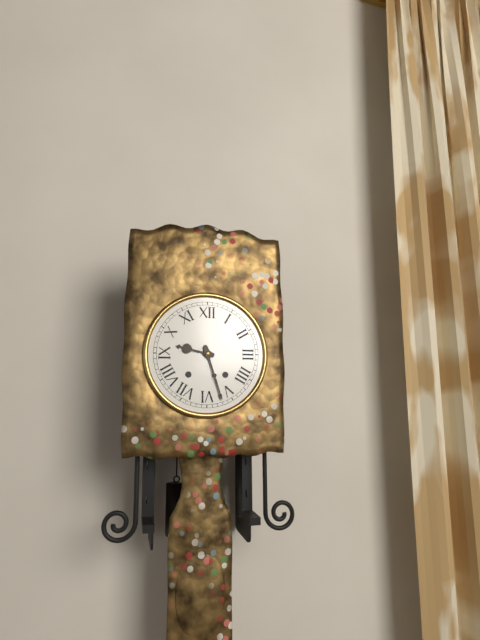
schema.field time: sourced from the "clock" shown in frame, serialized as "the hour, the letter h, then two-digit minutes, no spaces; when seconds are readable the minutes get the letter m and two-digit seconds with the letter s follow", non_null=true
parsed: 9h27
